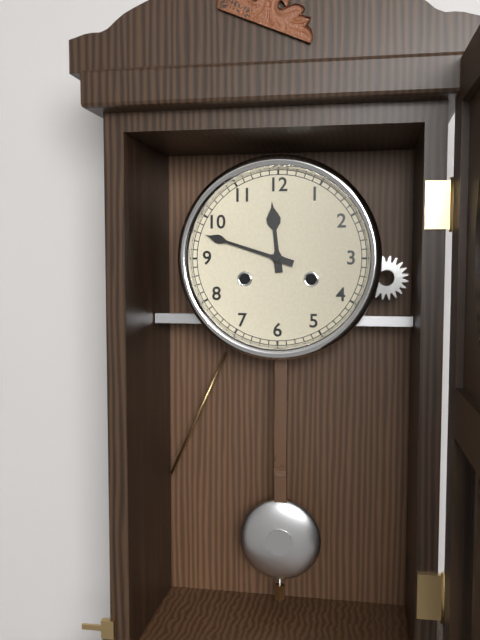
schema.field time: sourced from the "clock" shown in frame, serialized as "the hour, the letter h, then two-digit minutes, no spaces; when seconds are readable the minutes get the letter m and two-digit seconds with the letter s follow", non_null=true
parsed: 11h48
